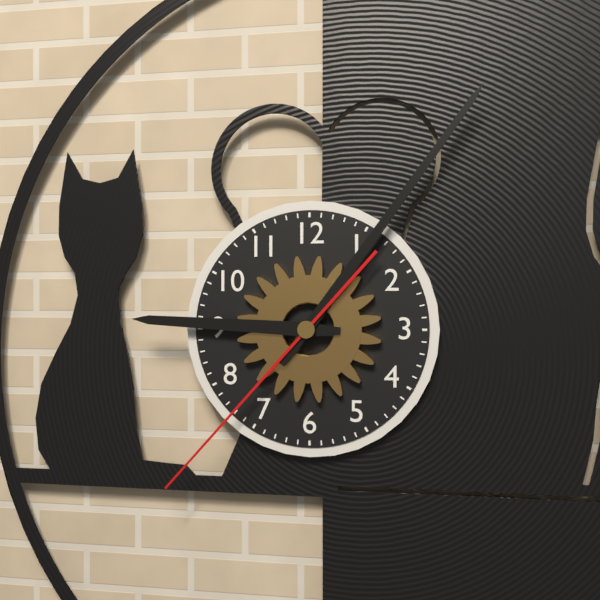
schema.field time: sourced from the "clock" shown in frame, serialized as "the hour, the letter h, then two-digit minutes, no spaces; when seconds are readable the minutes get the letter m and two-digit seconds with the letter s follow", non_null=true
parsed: 9h06m37s
